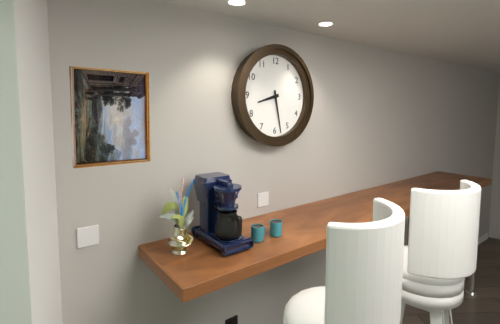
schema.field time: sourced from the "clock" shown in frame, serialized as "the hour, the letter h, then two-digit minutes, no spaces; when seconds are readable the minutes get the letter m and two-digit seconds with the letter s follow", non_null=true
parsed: 8h28
